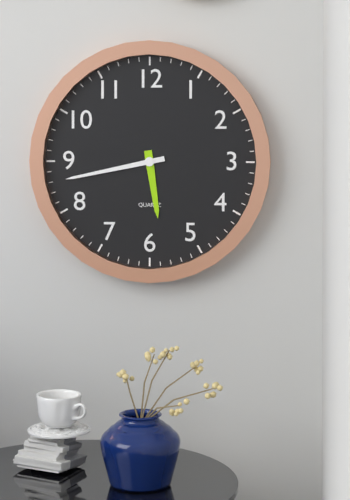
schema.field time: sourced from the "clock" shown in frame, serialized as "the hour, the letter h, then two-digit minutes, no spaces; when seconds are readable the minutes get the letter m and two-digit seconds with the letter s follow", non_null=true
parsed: 5h43
